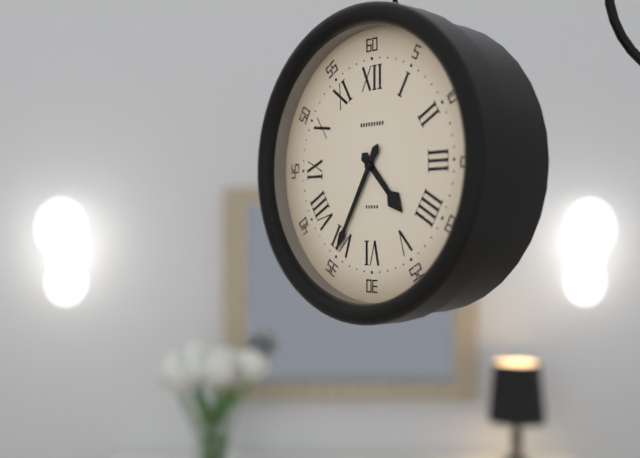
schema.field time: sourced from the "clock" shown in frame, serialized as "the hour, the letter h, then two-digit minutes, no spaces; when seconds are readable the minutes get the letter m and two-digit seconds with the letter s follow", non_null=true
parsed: 4h35
